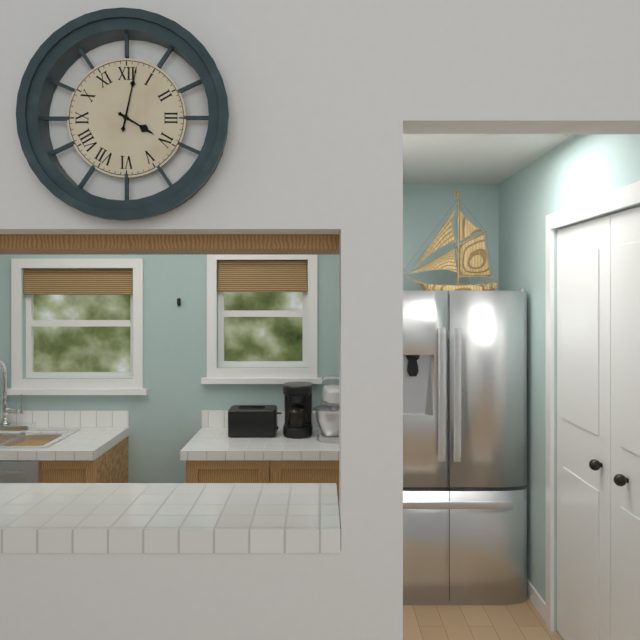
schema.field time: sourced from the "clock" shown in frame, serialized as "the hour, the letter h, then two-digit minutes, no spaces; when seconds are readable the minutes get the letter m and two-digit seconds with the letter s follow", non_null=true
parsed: 4h02
